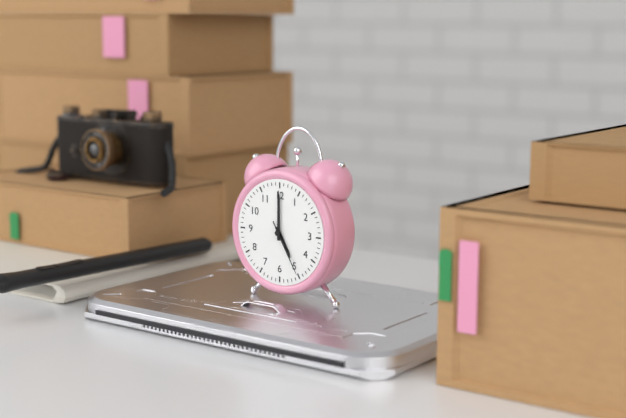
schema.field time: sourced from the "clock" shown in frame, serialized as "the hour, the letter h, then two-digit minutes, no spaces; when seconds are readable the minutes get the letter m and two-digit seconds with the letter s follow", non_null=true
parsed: 5h00m25s
